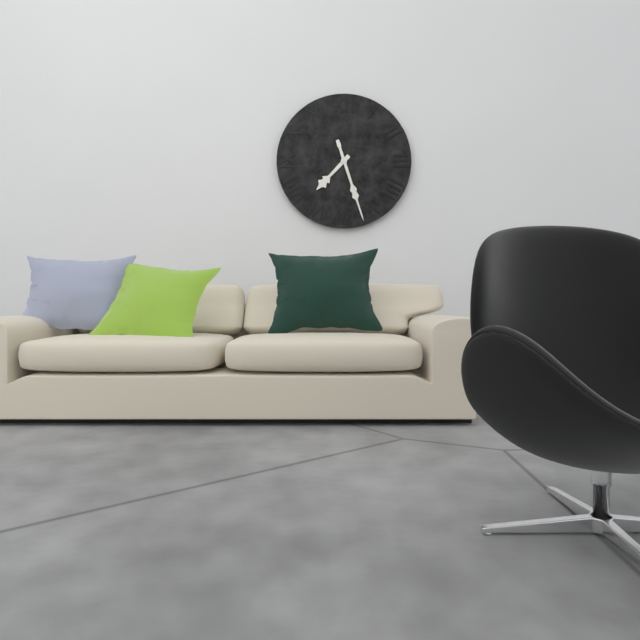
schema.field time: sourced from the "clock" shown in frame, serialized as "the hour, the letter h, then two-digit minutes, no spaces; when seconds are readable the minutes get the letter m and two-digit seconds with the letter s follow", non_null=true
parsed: 7h27
